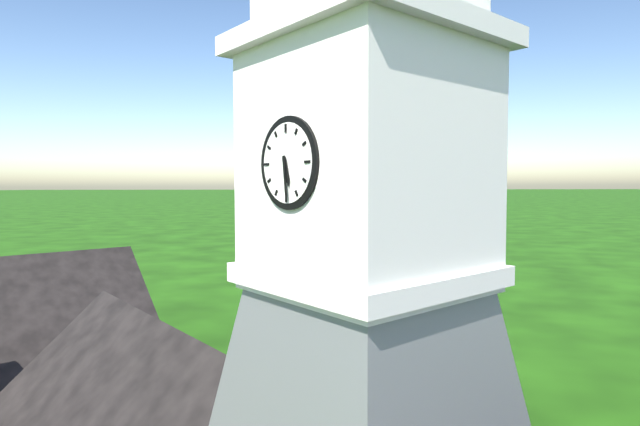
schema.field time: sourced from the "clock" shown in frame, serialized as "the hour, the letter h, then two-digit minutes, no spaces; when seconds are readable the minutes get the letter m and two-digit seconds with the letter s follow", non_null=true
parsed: 5h29
